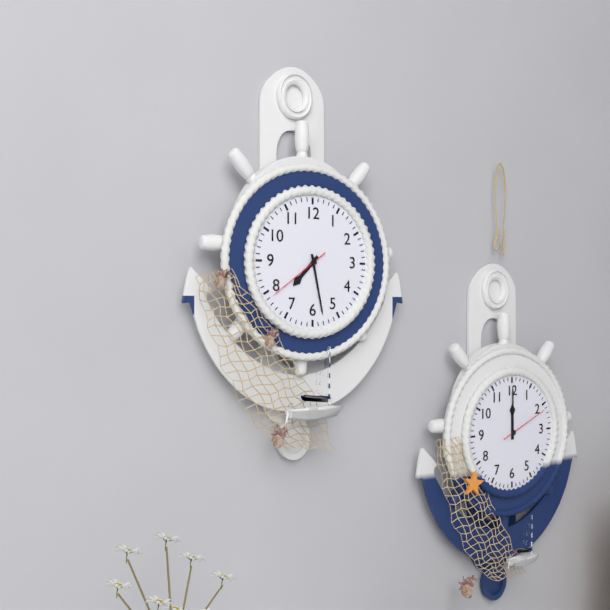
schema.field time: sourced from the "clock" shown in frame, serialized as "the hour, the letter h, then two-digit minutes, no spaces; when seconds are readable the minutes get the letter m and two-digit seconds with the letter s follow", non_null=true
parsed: 7h28m39s
